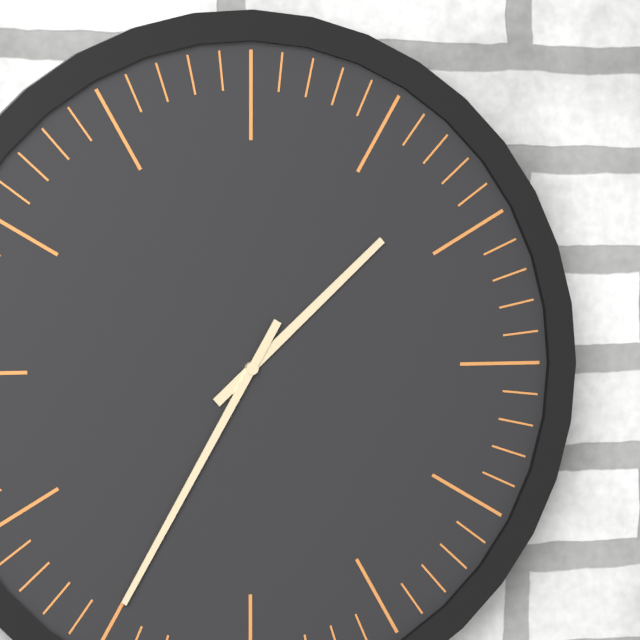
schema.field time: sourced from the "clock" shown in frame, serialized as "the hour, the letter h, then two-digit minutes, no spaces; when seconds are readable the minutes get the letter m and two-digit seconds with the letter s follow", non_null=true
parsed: 1h35
